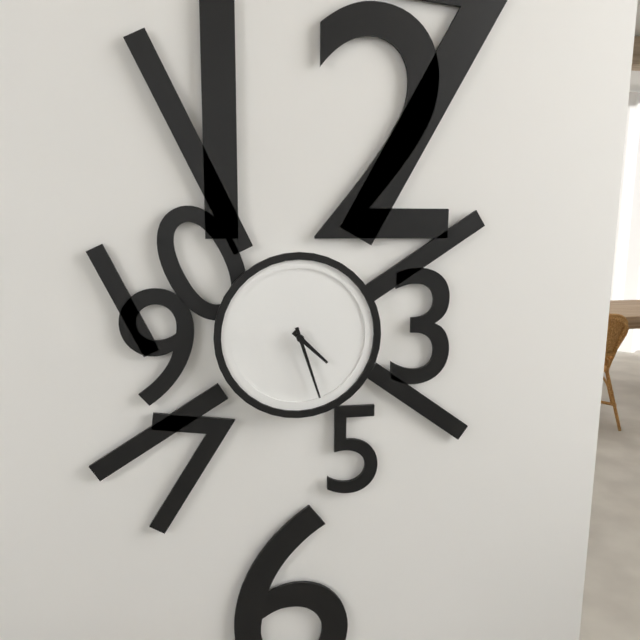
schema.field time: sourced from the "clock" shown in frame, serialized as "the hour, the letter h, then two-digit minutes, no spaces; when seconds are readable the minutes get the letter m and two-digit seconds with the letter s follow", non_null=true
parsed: 4h27
